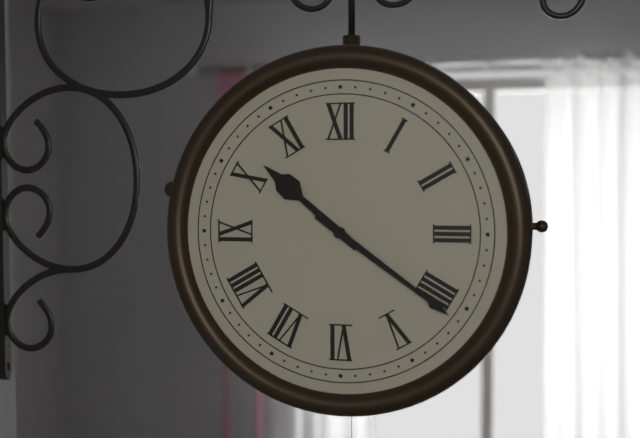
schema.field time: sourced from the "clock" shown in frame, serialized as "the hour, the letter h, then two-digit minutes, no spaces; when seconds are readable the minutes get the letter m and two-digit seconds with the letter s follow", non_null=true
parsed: 10h21
